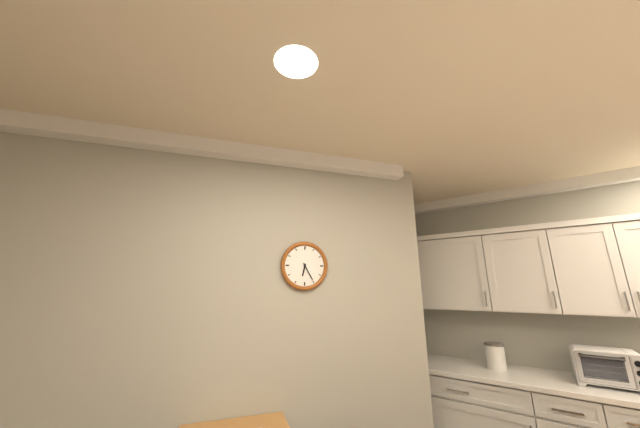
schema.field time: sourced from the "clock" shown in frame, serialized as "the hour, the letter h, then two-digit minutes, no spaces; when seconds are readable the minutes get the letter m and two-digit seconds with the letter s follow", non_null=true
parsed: 6h25
